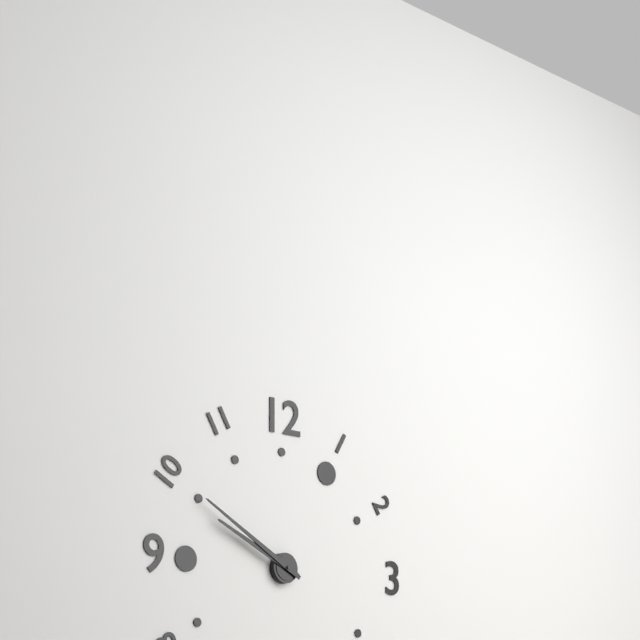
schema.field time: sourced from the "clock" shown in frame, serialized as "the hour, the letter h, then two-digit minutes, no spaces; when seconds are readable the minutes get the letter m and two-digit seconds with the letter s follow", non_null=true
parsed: 9h50
